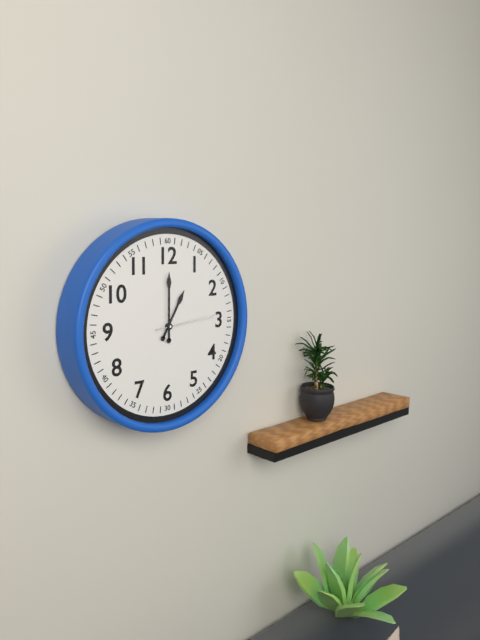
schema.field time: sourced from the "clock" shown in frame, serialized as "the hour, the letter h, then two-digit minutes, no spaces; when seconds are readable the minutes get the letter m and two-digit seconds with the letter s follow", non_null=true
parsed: 1h00m14s
